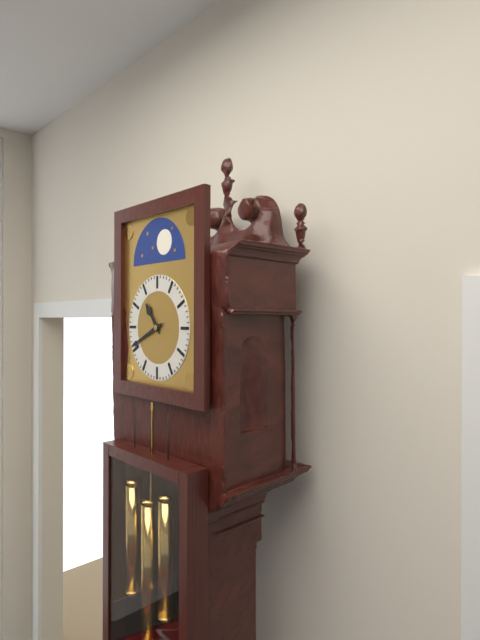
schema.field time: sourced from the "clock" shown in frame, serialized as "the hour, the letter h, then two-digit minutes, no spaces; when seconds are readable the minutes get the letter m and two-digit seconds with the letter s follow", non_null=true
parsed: 10h41
